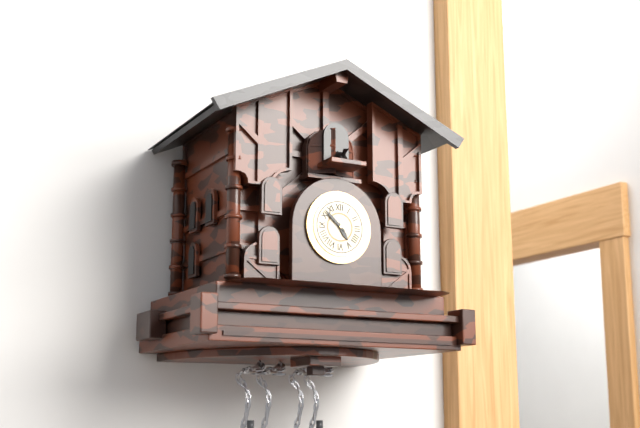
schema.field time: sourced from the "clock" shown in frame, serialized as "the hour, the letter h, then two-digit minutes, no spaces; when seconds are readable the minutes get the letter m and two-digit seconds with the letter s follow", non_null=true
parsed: 4h52
